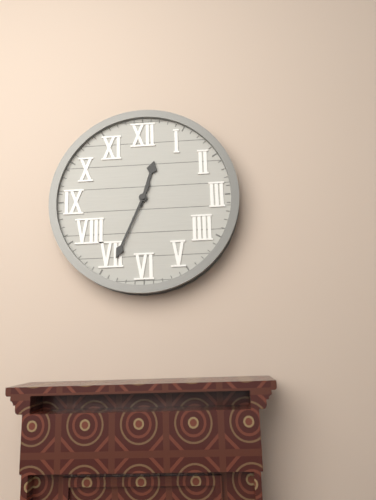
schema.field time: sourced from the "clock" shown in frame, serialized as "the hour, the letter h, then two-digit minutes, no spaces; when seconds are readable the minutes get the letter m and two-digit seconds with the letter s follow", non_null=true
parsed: 12h34
